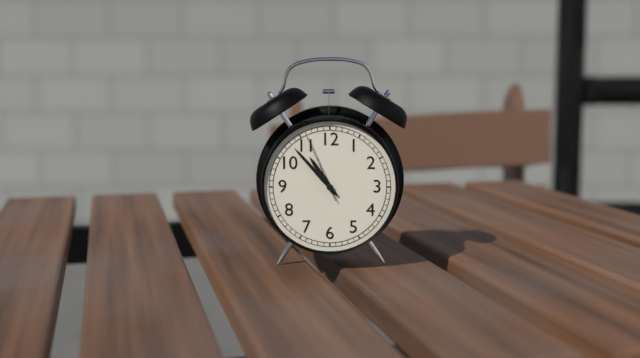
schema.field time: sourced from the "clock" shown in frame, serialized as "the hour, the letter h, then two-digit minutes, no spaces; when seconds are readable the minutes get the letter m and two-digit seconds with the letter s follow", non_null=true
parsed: 10h53m56s
